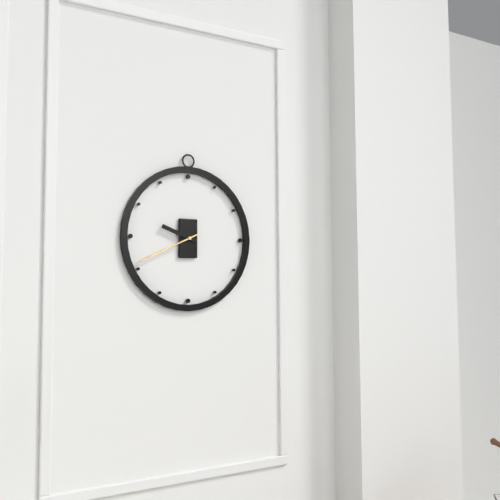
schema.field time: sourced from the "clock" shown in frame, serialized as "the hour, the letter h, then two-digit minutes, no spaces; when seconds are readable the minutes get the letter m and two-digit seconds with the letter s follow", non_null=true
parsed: 9h41
